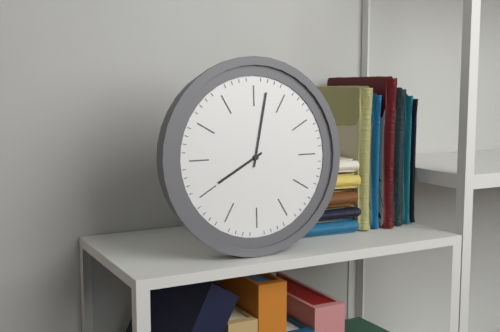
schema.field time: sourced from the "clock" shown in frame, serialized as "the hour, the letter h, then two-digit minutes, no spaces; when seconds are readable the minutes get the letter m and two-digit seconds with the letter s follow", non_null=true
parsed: 8h02
